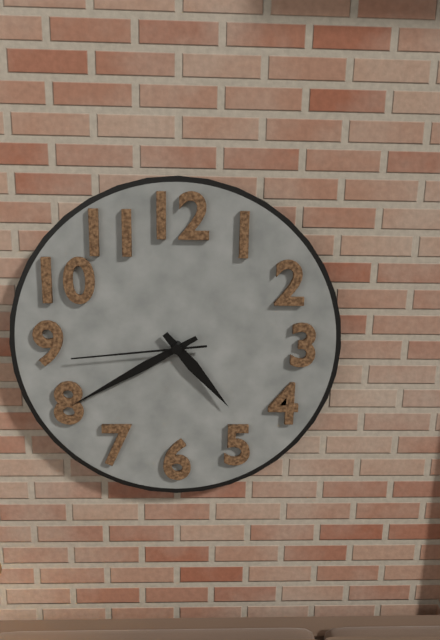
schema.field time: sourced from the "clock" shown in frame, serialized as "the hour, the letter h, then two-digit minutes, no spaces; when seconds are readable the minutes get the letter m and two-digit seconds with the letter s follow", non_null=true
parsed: 4h40m44s
